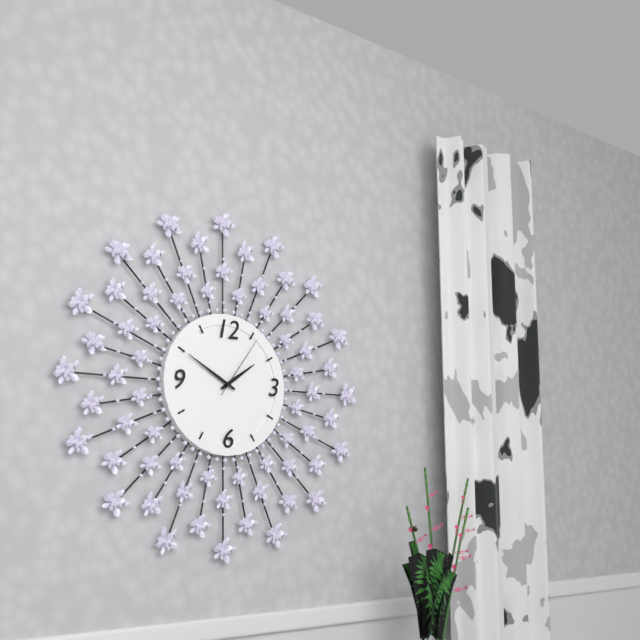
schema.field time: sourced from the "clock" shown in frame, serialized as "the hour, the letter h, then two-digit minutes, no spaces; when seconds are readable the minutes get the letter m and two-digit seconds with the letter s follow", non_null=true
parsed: 1h50m06s
